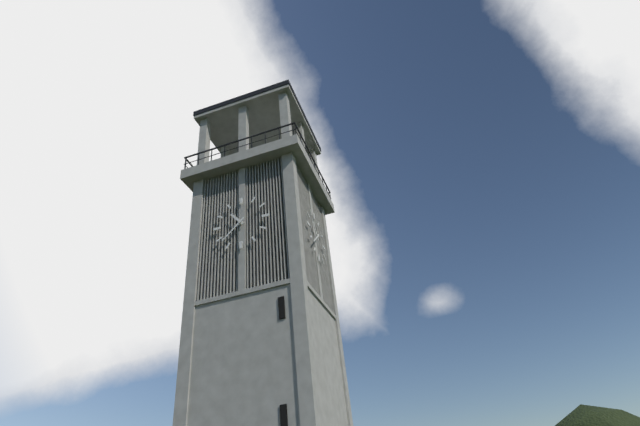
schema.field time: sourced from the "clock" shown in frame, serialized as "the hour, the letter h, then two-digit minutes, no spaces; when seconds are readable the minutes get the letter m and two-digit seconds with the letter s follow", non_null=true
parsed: 10h38
